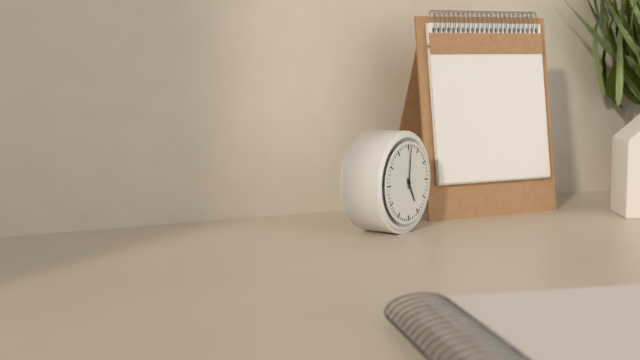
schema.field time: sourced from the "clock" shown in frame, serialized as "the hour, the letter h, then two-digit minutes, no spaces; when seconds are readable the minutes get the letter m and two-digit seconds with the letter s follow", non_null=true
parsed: 5h01
